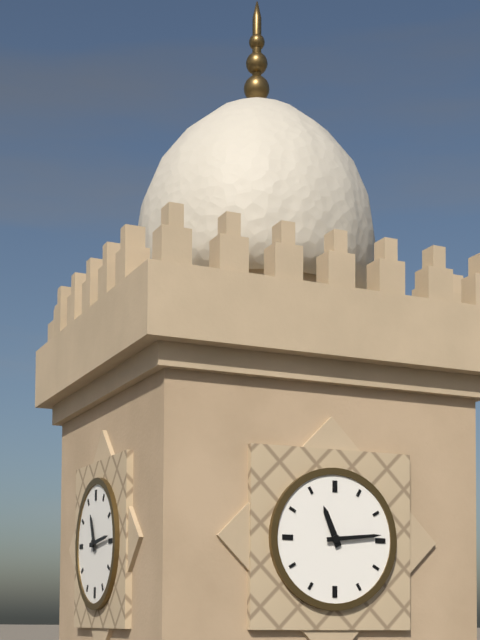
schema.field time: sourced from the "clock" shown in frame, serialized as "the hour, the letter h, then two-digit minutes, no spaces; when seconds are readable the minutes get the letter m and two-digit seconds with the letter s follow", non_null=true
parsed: 11h14
